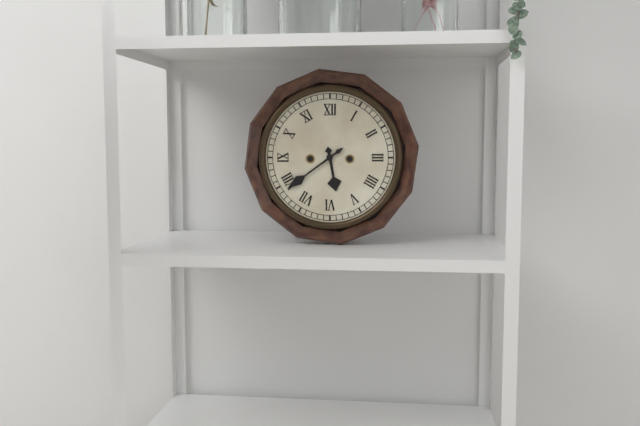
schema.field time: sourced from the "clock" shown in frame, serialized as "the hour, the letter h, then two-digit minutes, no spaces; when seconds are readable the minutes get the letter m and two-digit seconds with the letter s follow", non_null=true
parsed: 5h39
